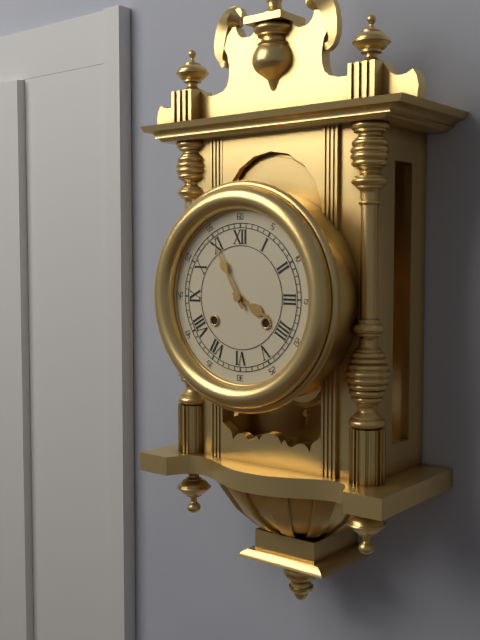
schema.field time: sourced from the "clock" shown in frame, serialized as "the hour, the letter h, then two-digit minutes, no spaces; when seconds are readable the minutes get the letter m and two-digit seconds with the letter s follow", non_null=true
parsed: 3h55
